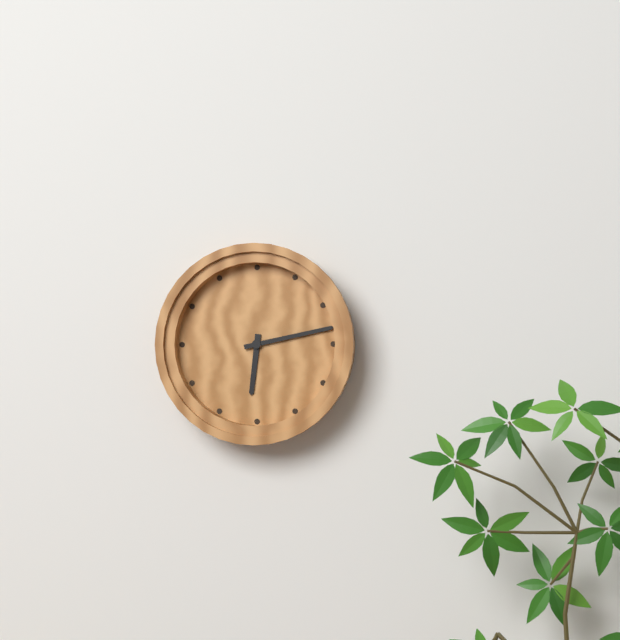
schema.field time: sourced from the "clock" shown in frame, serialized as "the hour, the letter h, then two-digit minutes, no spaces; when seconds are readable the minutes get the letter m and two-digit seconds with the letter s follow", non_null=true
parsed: 6h13
